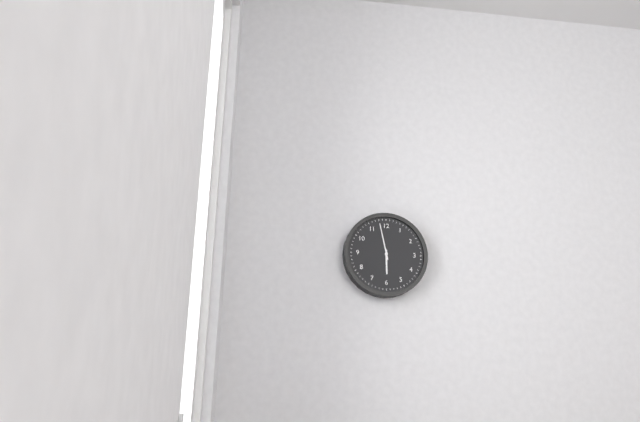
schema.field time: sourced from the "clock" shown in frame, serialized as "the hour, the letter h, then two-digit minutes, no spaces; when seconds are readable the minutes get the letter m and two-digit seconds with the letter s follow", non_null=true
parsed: 5h58
